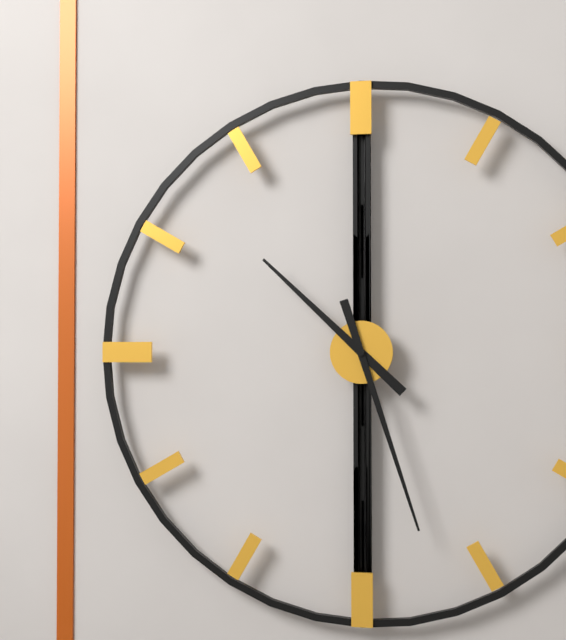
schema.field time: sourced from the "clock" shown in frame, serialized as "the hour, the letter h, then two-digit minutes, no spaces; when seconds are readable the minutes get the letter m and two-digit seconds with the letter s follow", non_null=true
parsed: 10h27
